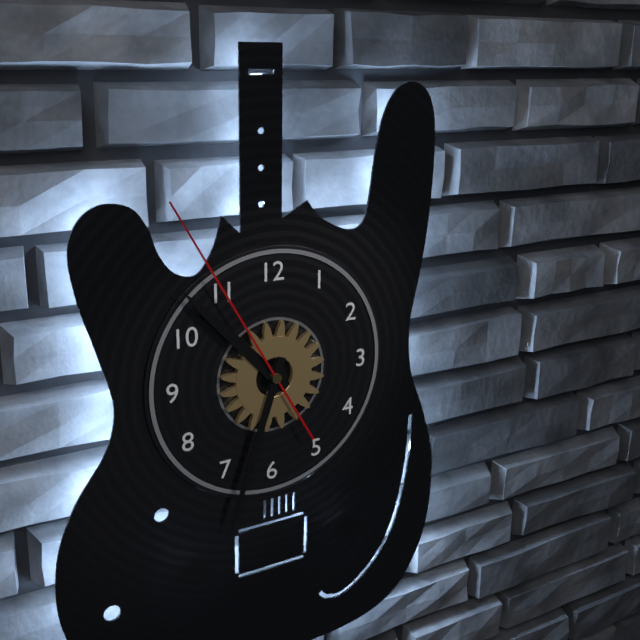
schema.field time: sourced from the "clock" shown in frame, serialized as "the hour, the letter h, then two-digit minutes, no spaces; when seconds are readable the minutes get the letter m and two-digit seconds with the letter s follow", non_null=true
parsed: 10h33m55s
